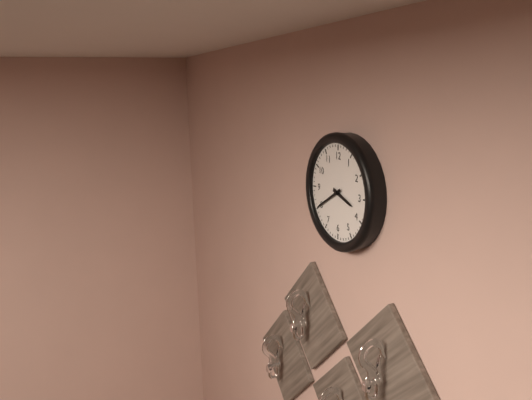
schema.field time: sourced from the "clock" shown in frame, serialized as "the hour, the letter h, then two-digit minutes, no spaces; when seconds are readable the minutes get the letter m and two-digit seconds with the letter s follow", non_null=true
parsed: 3h40
